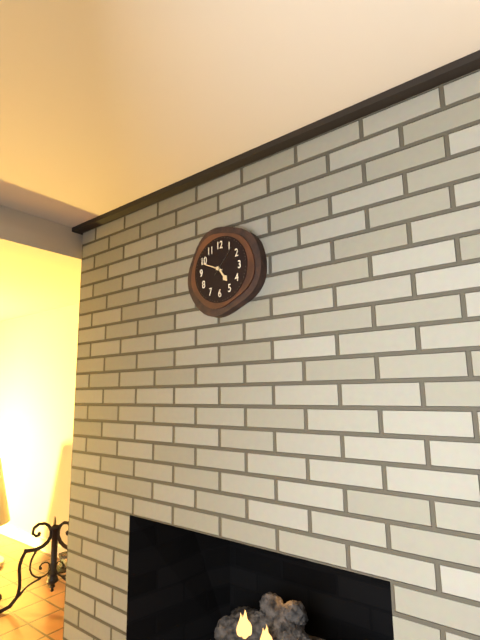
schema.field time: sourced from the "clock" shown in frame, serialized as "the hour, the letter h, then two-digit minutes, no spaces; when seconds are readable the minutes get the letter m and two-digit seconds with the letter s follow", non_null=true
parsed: 4h49
